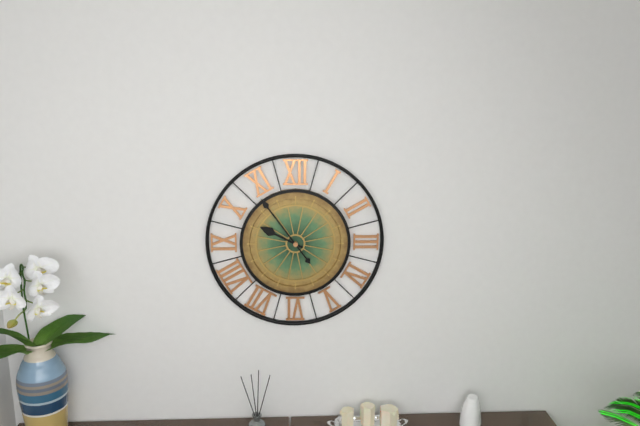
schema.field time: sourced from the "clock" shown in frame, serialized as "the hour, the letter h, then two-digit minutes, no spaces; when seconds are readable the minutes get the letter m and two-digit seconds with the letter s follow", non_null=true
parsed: 9h54
